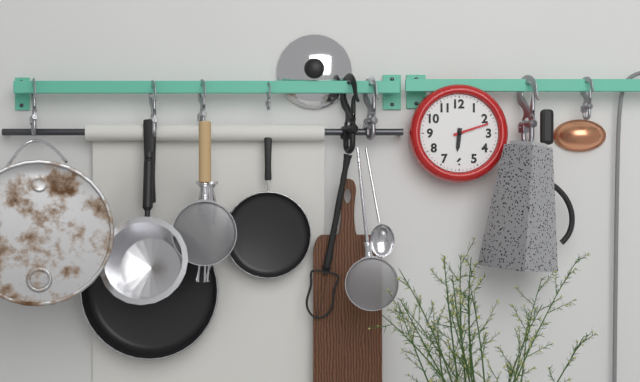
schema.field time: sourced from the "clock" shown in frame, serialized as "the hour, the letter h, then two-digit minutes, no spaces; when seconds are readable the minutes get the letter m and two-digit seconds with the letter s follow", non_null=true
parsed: 6h12
